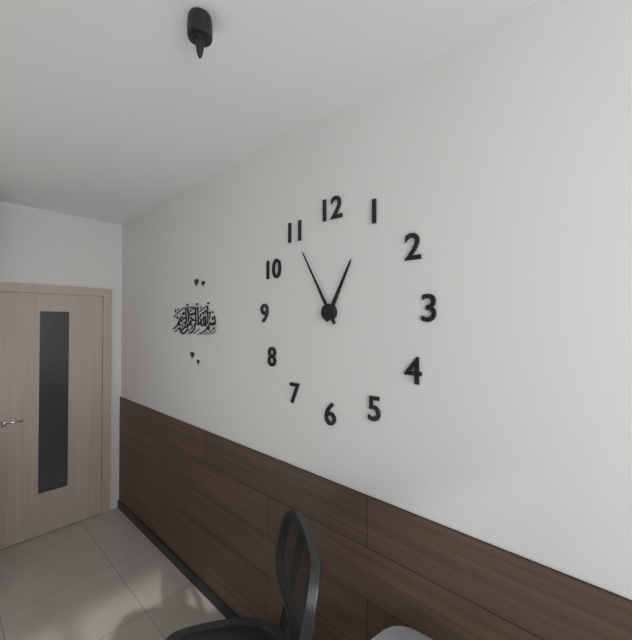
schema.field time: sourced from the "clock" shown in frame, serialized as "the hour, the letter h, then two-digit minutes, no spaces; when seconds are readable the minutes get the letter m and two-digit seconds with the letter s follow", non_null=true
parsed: 12h55
